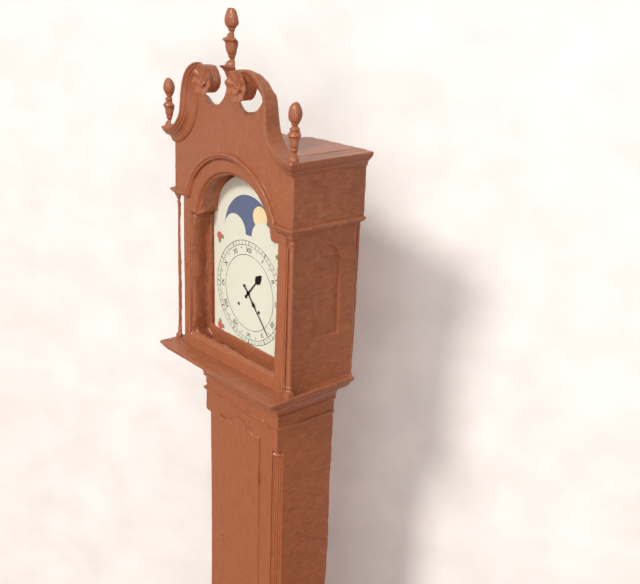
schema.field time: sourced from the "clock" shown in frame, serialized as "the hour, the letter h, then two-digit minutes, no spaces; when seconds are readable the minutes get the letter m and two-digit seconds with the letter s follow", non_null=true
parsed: 1h23
